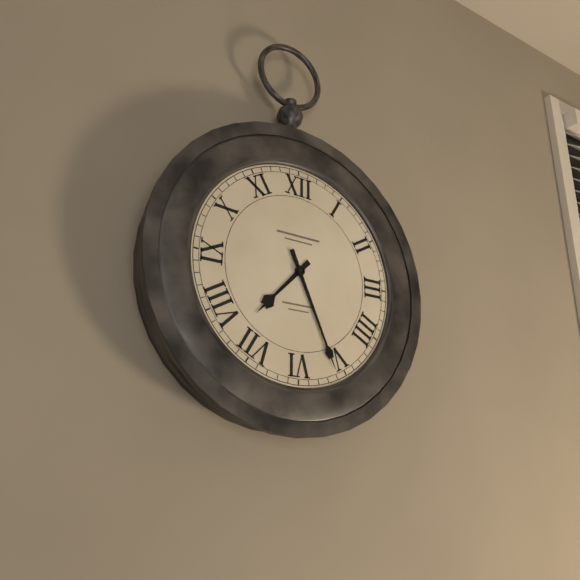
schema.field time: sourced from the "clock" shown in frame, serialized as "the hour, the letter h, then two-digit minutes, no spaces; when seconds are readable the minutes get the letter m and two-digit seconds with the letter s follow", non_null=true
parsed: 7h26
